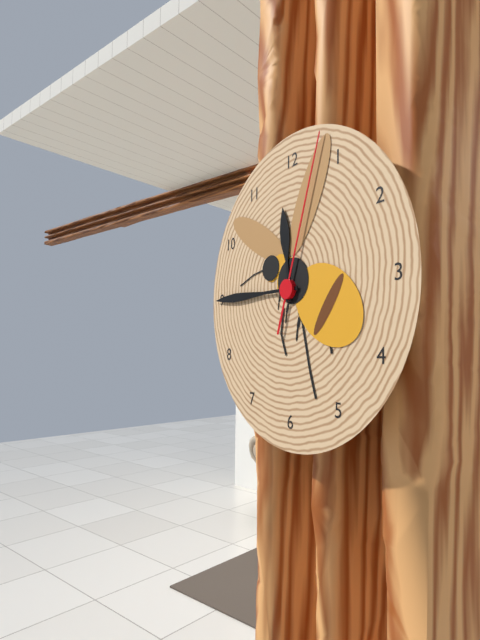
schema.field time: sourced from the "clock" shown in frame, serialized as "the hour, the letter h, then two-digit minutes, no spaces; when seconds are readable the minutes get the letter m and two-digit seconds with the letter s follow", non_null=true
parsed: 11h45m03s
